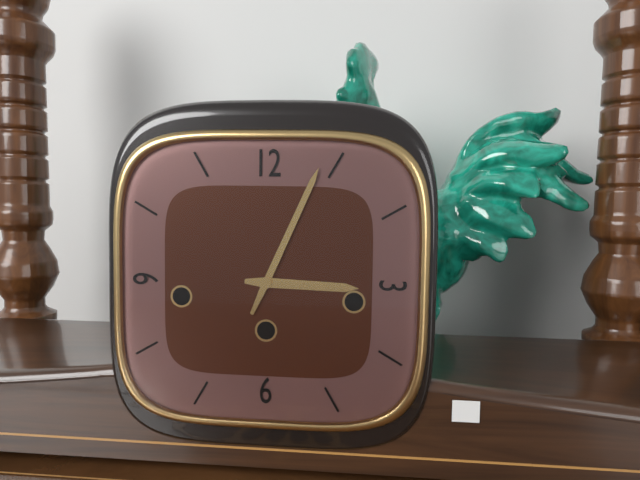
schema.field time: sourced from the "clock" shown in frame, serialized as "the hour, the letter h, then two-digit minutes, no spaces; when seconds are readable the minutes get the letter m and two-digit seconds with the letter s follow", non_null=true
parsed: 3h04
